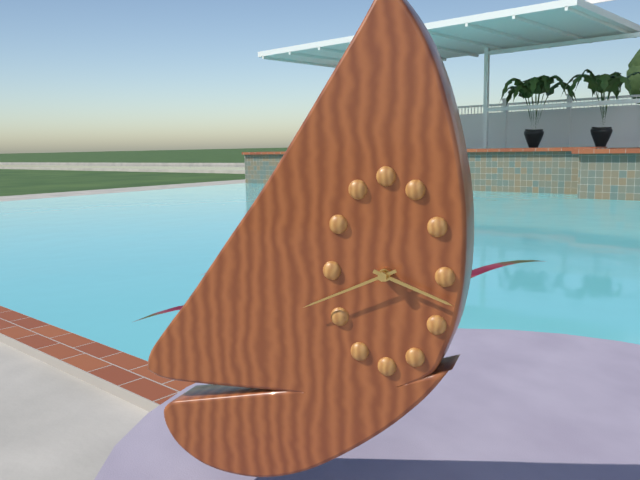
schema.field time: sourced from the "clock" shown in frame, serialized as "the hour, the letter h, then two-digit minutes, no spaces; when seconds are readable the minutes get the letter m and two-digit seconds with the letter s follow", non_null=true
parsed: 3h41
